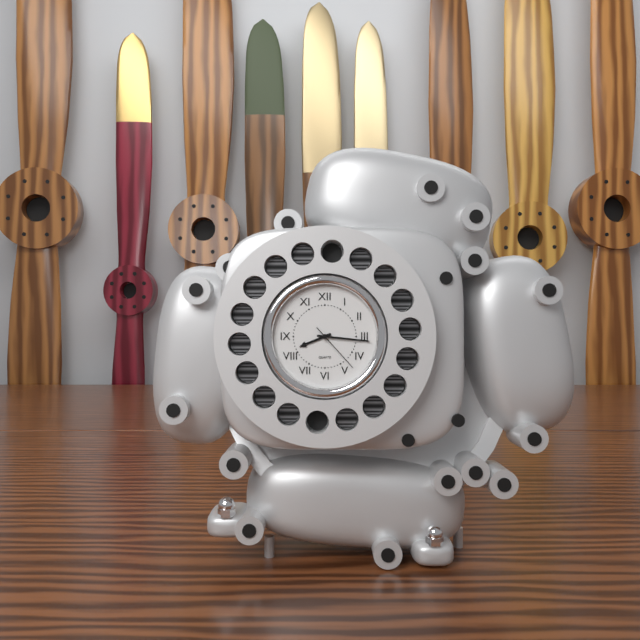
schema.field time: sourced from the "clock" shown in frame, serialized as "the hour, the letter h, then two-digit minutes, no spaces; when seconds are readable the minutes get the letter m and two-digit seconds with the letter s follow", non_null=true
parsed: 8h16m23s
